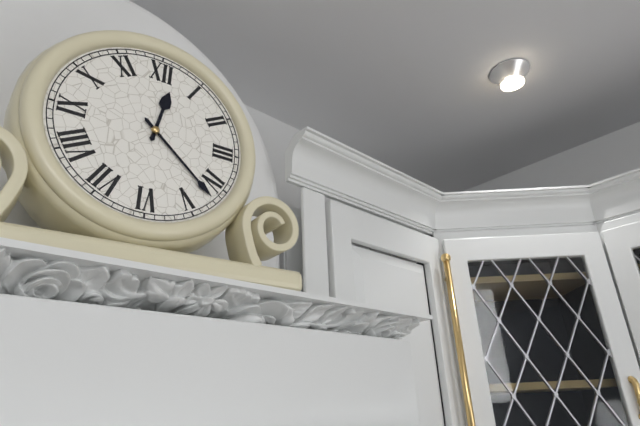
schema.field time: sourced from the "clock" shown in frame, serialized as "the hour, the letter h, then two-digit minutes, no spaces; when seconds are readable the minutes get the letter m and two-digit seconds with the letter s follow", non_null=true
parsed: 12h22
